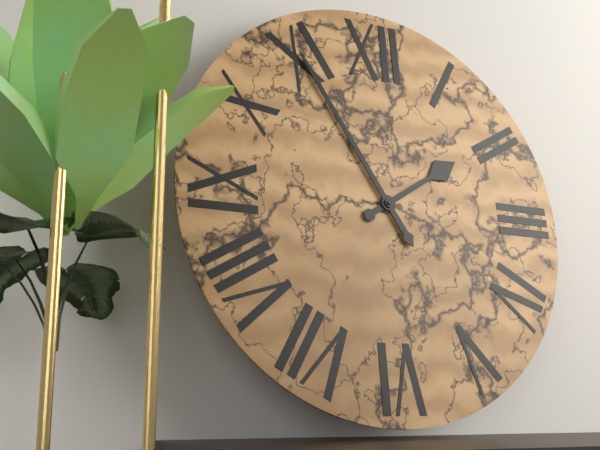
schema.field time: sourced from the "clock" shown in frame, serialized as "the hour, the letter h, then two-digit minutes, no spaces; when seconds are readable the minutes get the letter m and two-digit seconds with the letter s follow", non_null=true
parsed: 1h55
